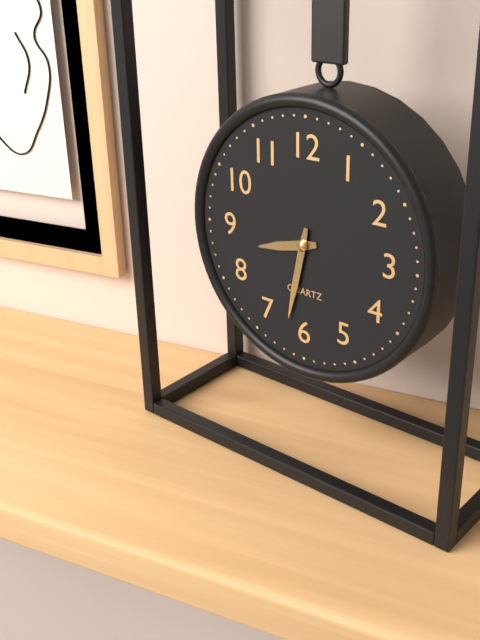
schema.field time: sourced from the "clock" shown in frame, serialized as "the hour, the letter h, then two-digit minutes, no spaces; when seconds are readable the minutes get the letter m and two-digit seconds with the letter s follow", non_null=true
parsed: 8h32
